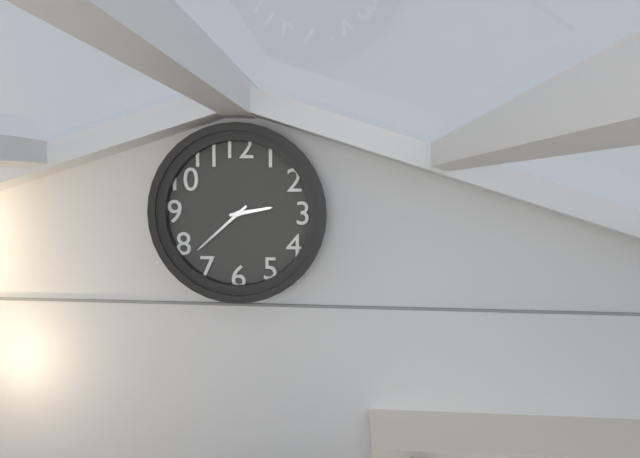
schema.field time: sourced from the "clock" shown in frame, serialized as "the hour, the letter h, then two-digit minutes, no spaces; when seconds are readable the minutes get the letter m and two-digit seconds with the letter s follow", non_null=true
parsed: 2h38
